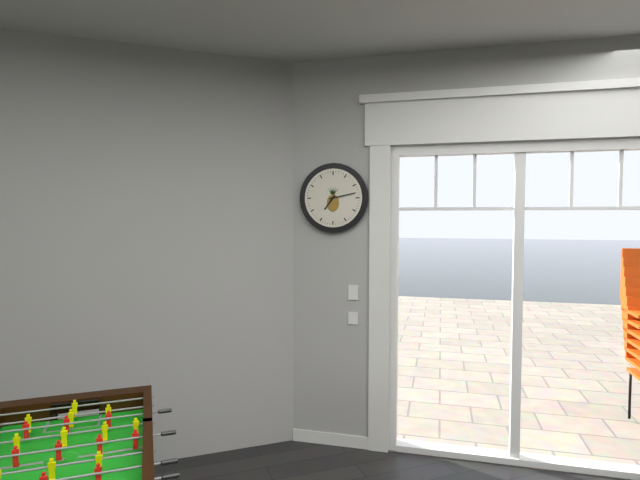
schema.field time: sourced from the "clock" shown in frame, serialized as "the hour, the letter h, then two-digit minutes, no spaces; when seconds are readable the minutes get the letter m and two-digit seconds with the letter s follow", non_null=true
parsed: 7h13
